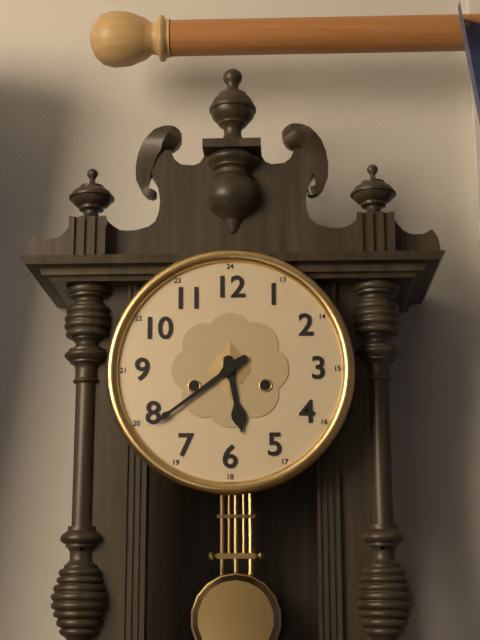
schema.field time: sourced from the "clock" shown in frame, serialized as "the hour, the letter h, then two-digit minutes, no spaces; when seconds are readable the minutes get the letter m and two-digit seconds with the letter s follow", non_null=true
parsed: 5h39
